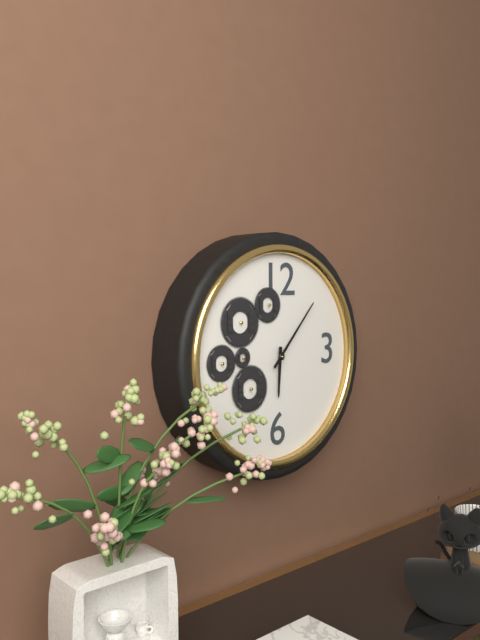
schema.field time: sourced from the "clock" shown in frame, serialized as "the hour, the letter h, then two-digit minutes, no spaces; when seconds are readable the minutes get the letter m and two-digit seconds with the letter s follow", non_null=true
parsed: 6h07
